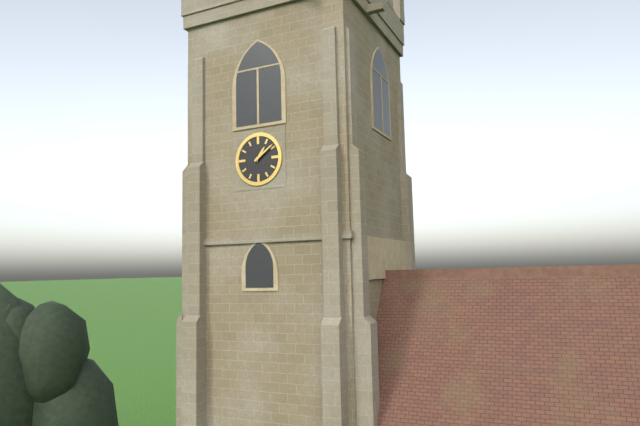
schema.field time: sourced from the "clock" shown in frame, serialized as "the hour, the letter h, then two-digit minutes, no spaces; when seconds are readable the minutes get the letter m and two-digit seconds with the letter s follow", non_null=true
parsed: 1h09
